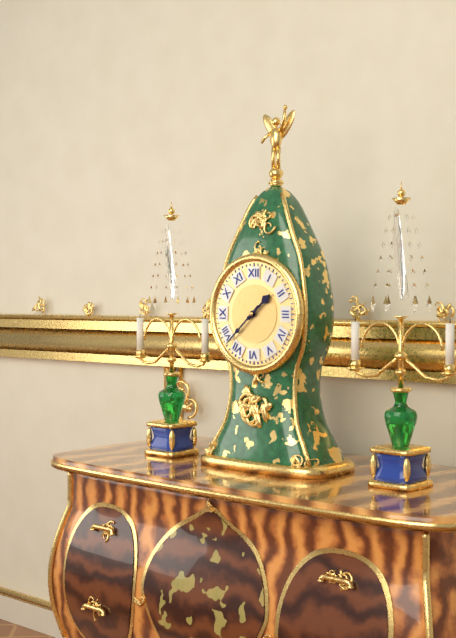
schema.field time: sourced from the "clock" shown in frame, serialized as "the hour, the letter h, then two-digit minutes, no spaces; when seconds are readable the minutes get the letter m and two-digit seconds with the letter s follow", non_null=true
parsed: 1h38
